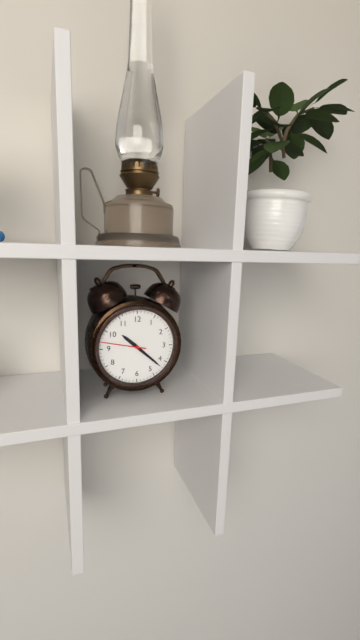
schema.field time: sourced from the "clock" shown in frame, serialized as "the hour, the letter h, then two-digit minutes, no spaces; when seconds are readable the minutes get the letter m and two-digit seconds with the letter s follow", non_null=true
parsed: 10h22
